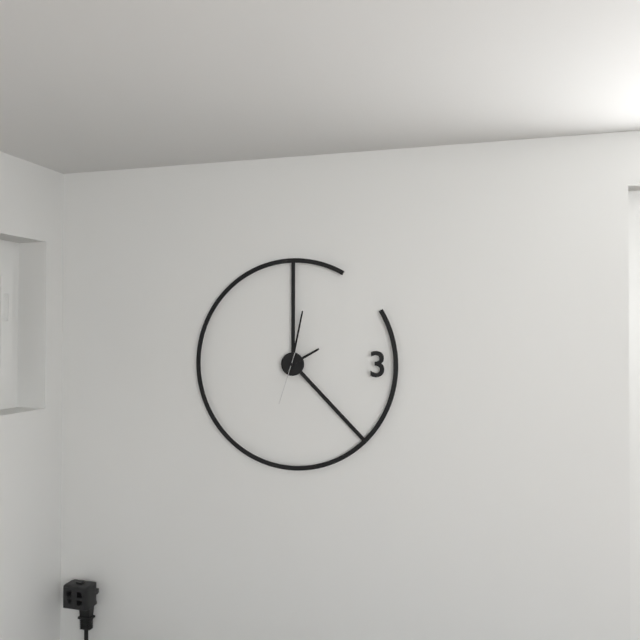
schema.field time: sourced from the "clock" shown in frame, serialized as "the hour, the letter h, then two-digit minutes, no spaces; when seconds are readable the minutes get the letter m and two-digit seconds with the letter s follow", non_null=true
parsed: 2h02m33s
